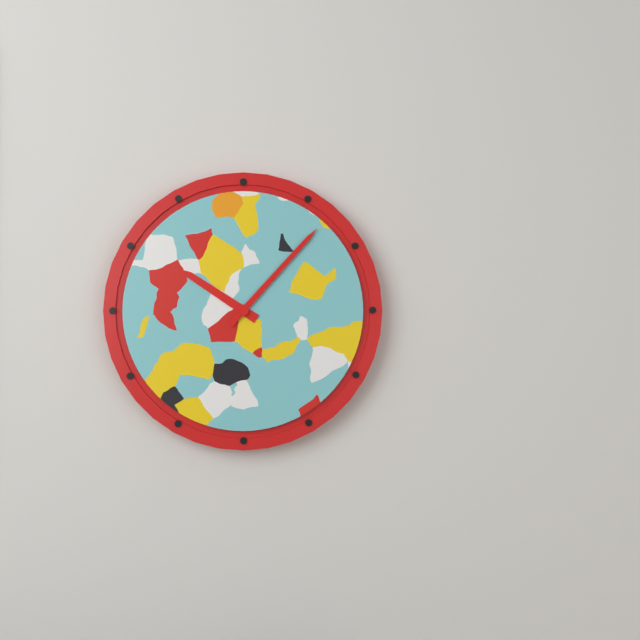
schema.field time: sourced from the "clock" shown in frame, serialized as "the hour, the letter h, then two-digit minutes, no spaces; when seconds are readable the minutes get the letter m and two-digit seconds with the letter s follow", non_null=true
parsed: 10h07
